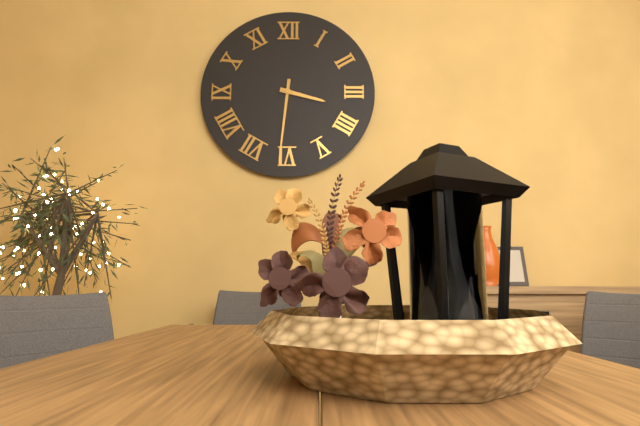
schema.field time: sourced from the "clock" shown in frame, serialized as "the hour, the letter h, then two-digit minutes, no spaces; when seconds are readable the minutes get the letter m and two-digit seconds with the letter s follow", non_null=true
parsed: 3h31
